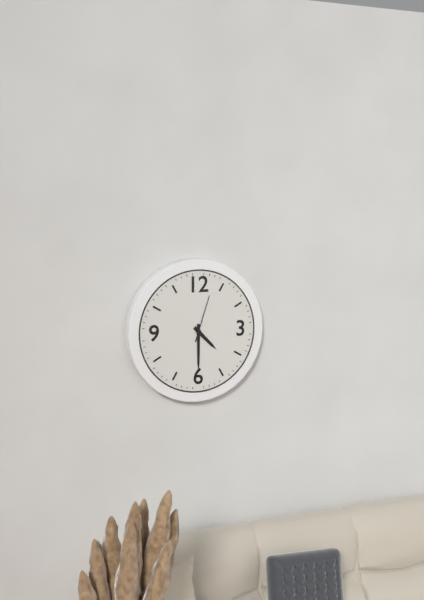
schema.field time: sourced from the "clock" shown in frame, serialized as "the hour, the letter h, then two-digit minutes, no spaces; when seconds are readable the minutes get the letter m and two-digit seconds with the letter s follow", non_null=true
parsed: 4h30
